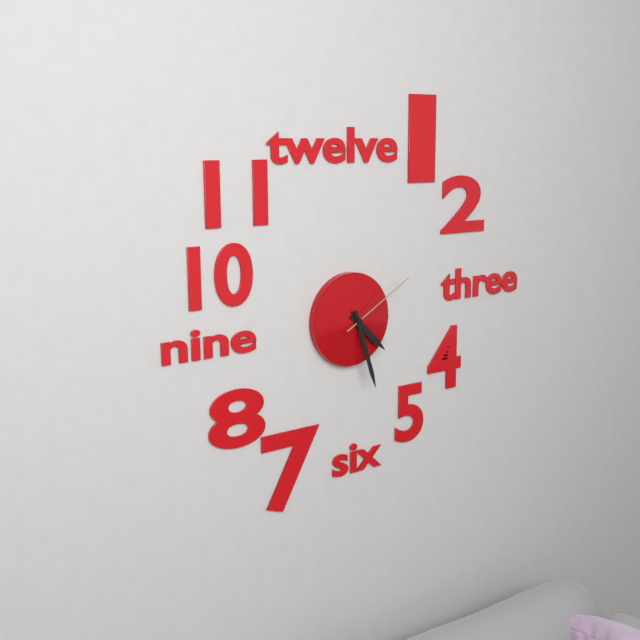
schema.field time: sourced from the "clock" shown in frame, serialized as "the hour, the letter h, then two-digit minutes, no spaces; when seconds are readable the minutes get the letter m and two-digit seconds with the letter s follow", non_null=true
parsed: 4h27m10s
